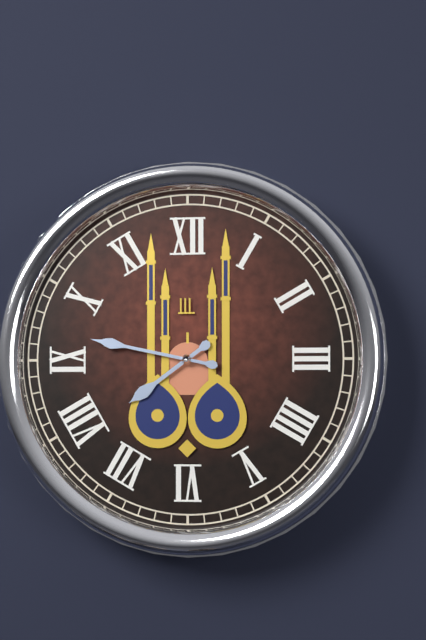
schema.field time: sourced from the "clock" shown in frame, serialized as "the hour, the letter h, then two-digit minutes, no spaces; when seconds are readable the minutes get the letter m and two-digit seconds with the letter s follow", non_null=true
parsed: 7h47
